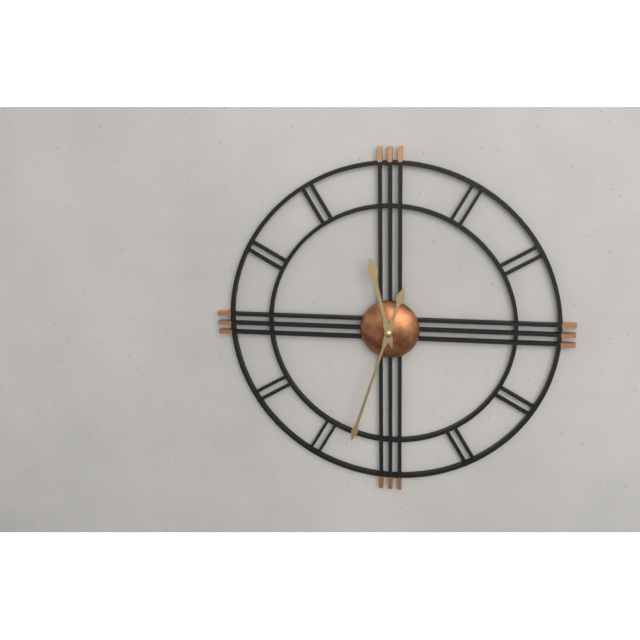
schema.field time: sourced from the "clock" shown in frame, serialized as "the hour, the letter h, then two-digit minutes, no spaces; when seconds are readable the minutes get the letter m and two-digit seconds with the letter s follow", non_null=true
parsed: 11h33
